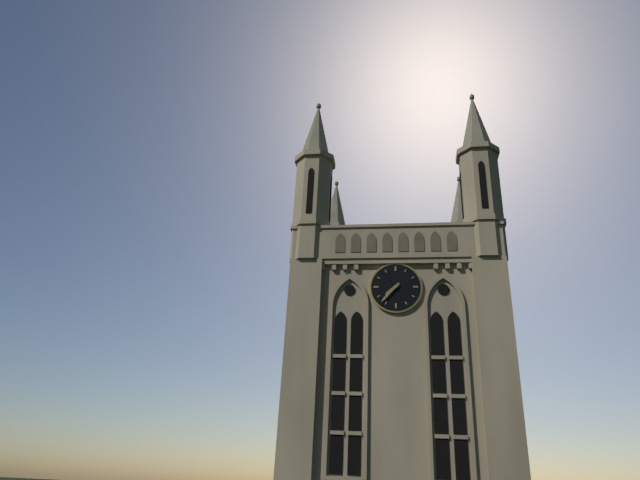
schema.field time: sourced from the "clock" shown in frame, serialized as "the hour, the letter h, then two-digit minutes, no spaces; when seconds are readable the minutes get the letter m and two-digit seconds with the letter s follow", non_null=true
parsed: 7h37
